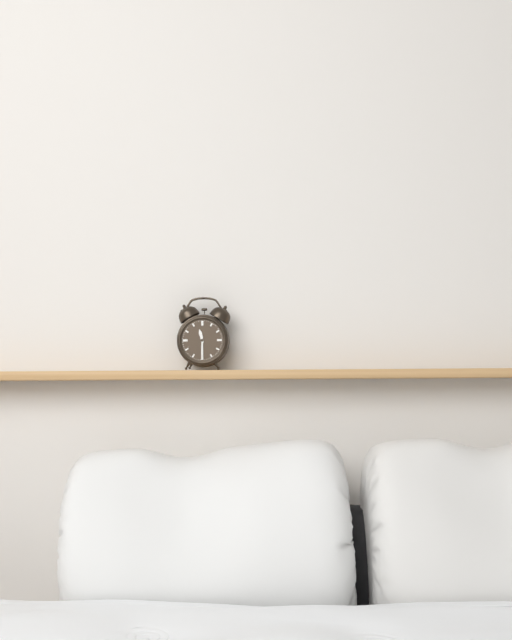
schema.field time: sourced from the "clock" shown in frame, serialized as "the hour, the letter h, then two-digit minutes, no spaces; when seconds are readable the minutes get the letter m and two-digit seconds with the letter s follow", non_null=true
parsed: 11h30
